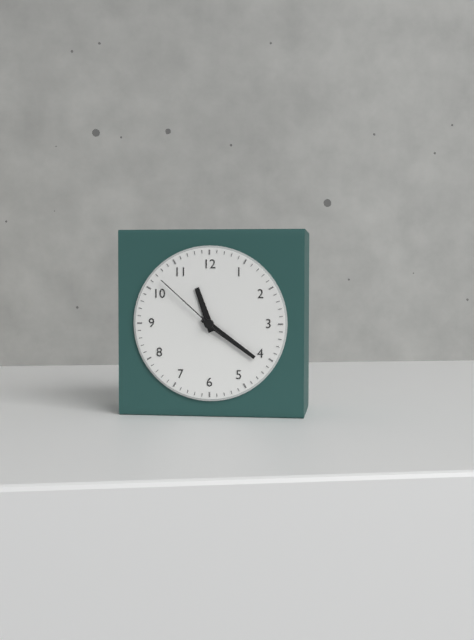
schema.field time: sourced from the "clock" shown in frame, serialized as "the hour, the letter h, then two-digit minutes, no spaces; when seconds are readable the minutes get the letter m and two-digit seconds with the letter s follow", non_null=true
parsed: 11h21m52s
